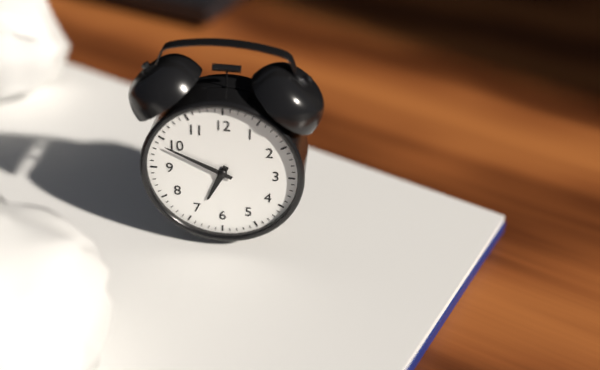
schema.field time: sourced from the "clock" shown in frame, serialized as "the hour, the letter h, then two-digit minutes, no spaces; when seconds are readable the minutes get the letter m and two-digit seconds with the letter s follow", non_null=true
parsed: 6h49
